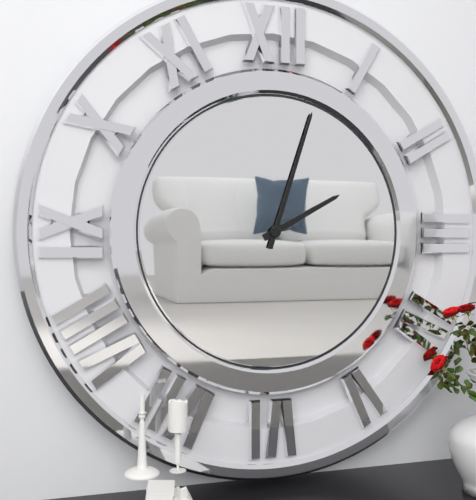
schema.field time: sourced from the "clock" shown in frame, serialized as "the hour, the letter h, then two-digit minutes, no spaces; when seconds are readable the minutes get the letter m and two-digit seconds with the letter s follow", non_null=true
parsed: 2h03
